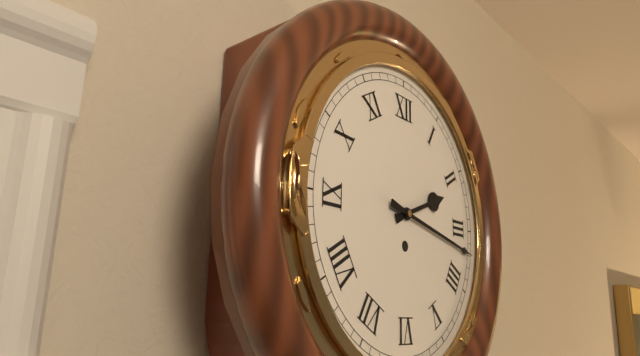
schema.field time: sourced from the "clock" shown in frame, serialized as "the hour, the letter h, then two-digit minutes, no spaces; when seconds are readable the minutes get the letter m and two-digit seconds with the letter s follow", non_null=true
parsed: 2h17
